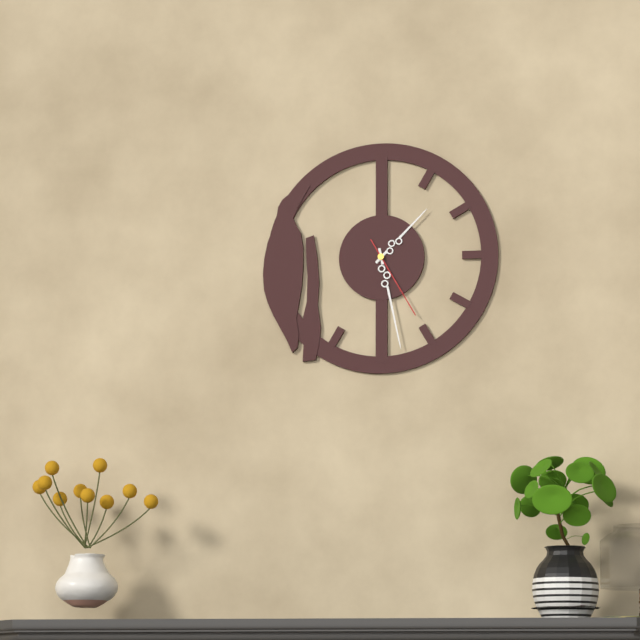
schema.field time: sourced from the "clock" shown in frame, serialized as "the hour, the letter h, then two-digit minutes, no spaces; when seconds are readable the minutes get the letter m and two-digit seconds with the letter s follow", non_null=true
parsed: 1h28m25s
